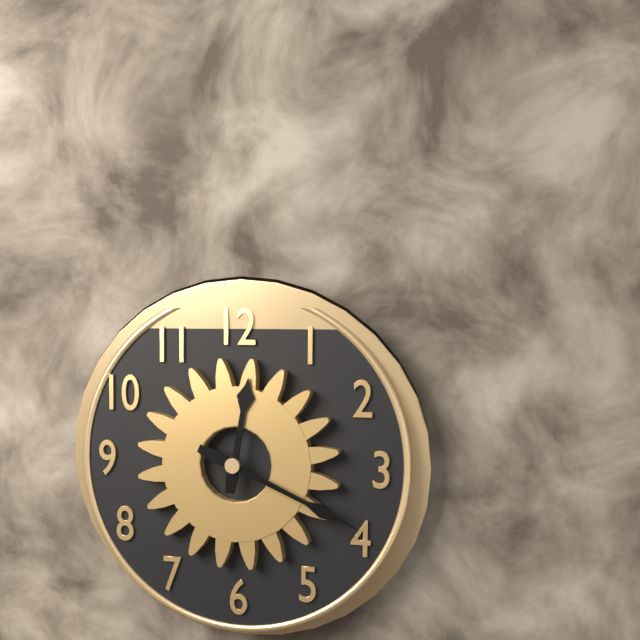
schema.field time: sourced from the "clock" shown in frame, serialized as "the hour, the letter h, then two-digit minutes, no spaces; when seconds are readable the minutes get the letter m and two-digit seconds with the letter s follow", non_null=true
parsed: 12h19
